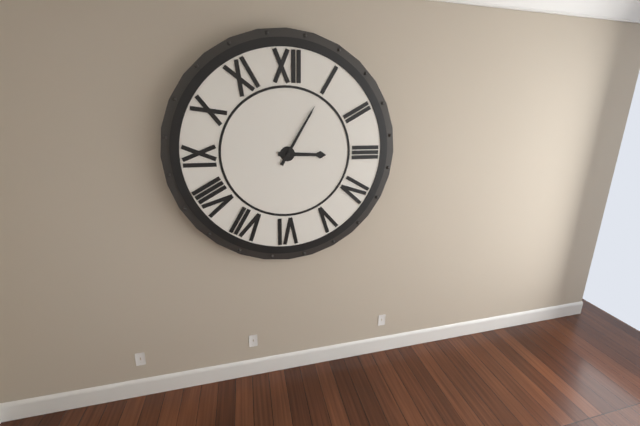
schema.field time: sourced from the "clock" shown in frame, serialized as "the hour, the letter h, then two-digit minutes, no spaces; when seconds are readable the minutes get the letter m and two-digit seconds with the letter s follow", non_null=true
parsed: 3h05
